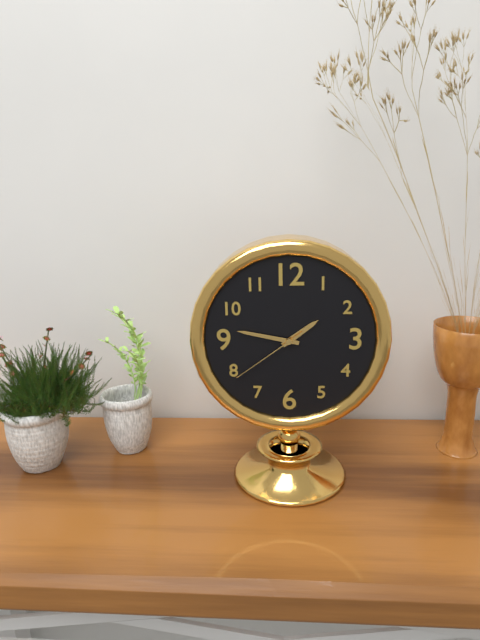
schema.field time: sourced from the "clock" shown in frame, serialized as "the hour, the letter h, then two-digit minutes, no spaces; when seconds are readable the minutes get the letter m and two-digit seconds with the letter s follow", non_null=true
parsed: 1h47m39s
